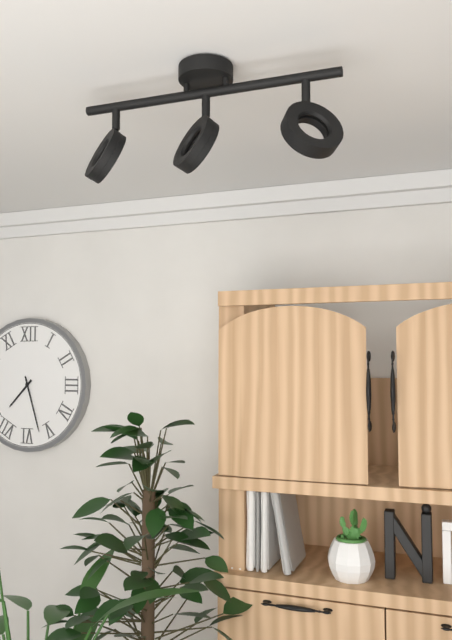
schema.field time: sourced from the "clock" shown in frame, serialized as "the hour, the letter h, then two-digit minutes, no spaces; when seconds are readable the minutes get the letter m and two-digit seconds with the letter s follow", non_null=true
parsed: 7h27
